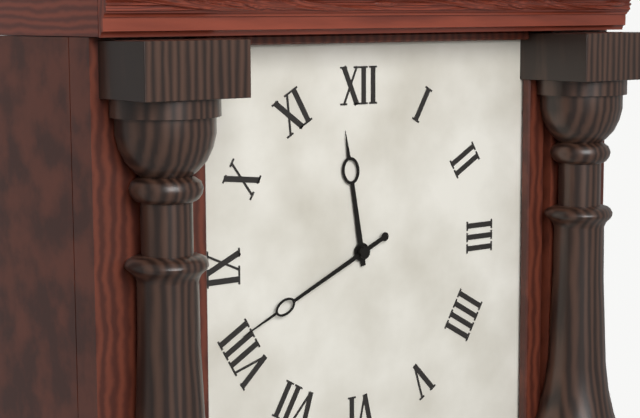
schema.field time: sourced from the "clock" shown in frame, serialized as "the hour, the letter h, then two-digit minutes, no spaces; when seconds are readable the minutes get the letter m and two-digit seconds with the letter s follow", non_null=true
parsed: 11h41
